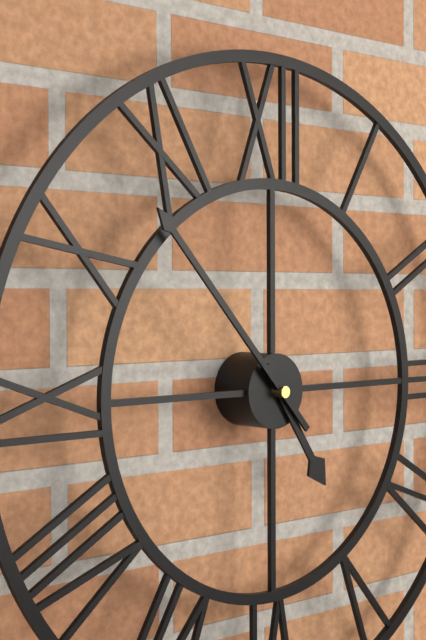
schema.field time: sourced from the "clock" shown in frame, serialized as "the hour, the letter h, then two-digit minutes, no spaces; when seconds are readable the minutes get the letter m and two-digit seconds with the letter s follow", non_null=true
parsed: 4h53
